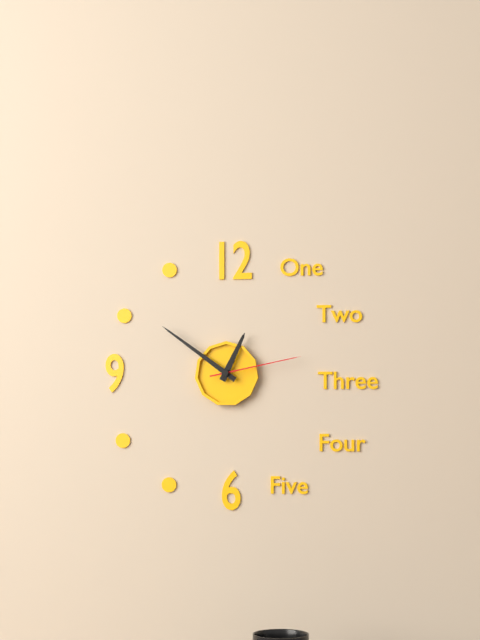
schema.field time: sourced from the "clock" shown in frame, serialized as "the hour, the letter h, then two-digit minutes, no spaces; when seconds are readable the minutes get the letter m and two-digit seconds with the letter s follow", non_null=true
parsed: 12h51m13s
